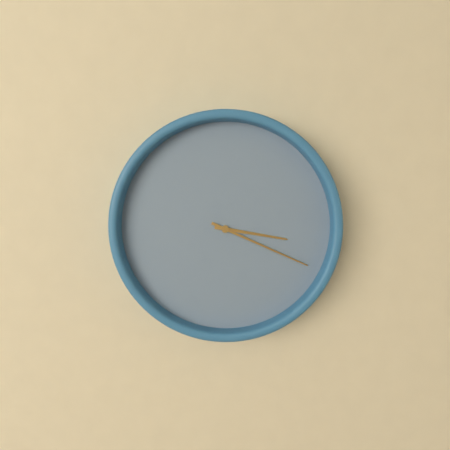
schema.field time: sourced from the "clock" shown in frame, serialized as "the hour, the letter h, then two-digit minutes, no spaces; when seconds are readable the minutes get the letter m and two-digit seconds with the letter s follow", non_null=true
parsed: 3h19
